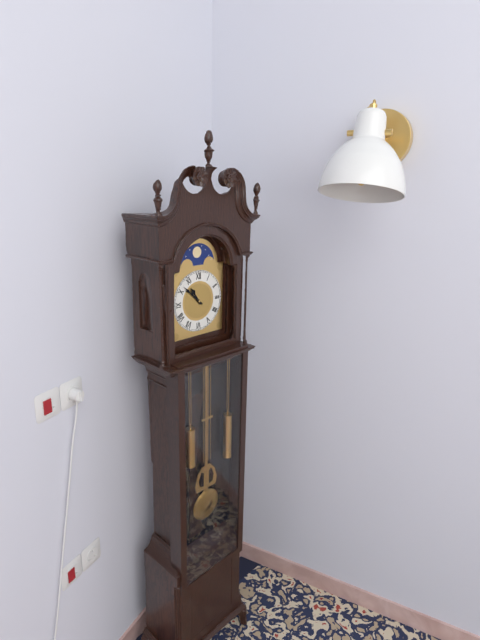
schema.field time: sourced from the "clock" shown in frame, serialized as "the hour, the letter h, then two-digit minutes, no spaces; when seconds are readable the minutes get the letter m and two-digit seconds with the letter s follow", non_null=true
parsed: 10h52
